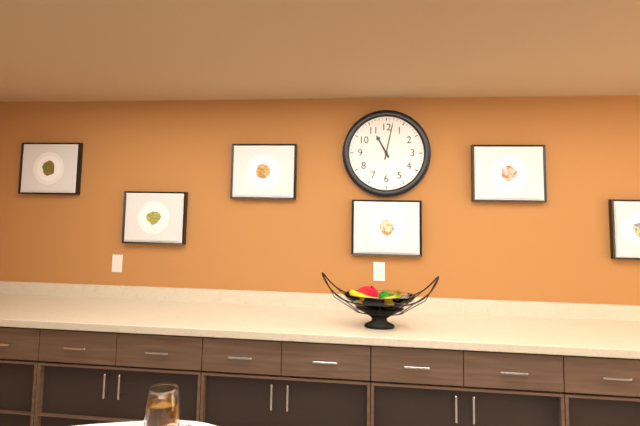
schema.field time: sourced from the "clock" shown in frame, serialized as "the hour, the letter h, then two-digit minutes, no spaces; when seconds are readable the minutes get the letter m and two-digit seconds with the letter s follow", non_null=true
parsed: 11h02
